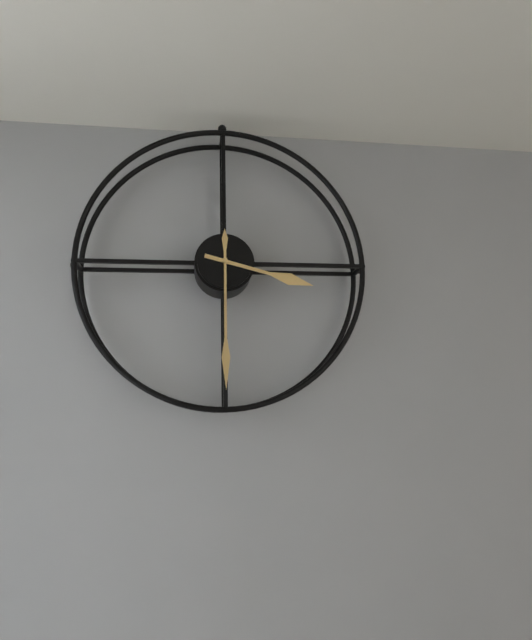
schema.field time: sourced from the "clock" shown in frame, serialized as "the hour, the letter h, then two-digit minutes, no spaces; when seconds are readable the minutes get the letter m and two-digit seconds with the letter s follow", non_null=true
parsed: 3h30
